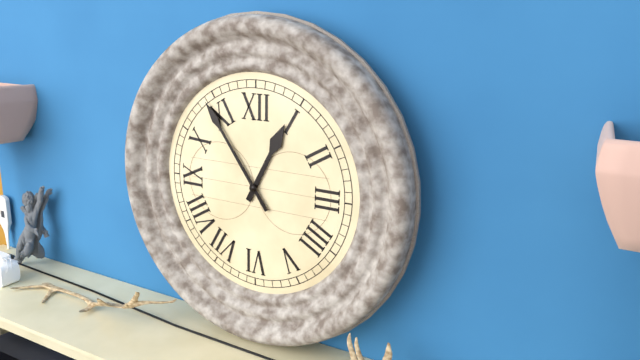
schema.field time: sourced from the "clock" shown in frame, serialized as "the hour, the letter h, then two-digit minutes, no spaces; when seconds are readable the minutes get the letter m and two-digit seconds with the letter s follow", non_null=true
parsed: 12h54
